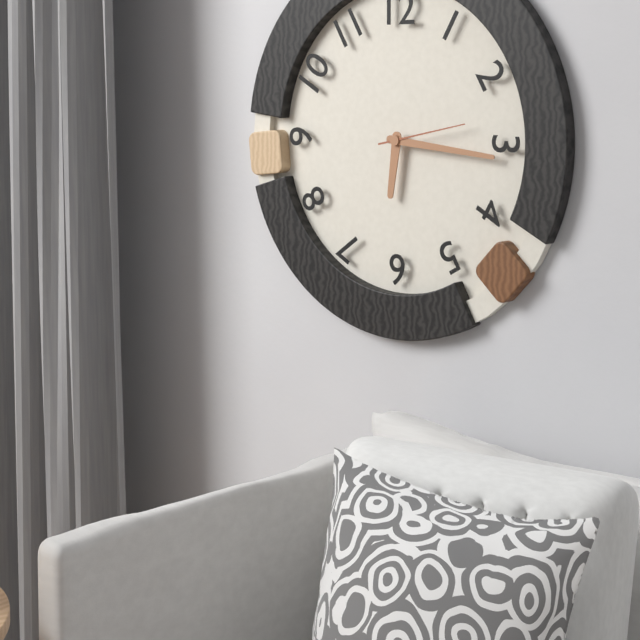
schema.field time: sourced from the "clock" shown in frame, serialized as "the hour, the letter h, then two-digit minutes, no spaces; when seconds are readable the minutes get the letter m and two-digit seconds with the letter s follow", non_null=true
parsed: 6h16m13s
